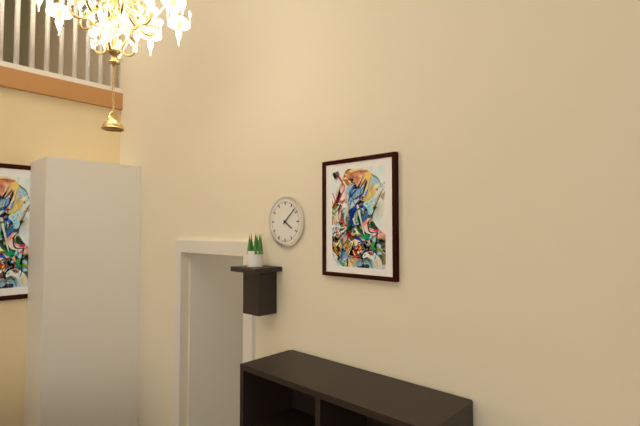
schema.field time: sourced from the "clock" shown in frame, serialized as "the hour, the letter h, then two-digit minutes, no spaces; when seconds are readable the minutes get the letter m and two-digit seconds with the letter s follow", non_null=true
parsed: 4h08
